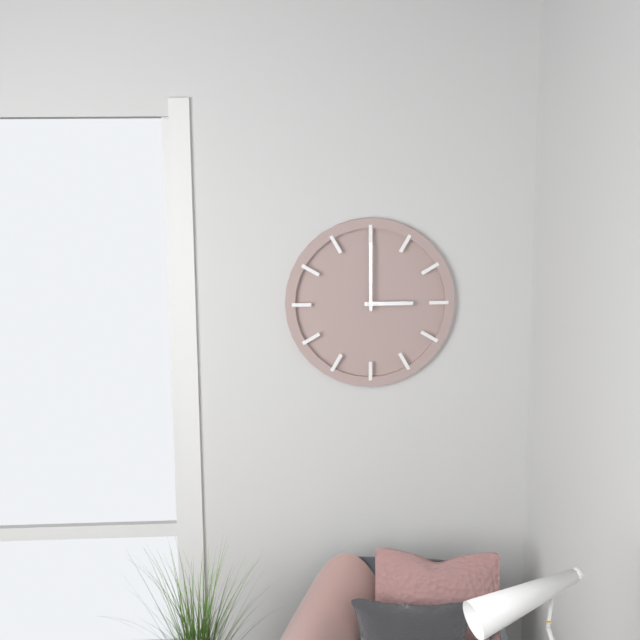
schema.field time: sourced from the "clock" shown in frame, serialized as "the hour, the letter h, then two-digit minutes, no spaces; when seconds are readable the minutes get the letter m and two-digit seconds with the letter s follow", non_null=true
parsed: 3h00
